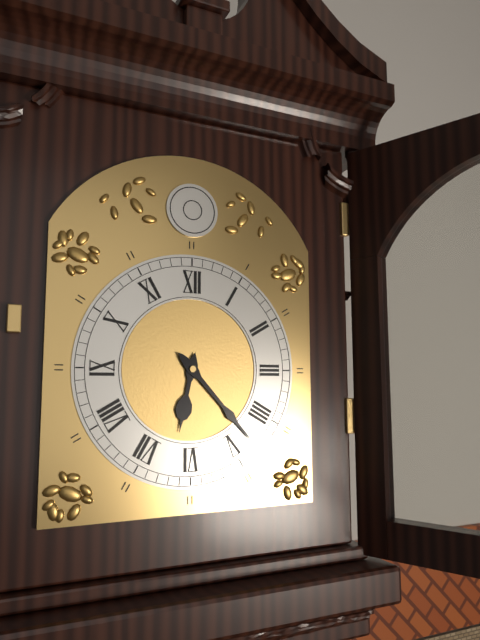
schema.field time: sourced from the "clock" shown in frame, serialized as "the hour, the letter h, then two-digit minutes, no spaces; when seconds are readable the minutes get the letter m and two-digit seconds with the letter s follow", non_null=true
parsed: 6h23
